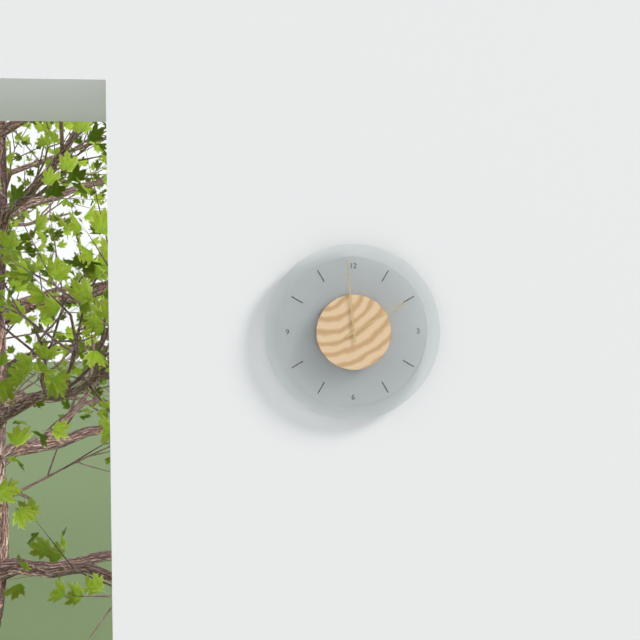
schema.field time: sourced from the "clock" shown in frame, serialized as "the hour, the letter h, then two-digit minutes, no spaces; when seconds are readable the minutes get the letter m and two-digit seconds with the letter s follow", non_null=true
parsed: 1h59
